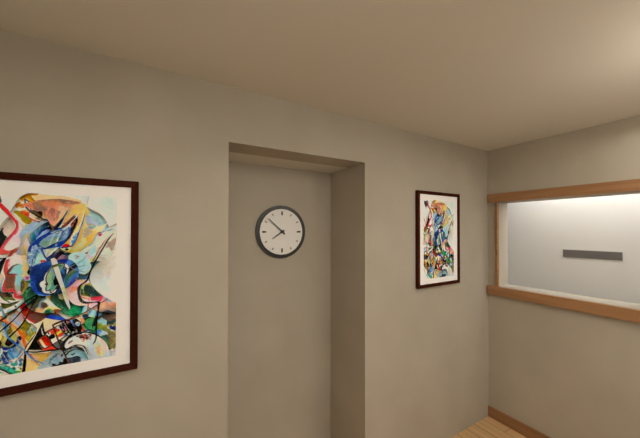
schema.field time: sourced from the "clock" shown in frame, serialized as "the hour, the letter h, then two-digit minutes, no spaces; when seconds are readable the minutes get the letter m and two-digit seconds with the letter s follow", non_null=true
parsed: 7h52
